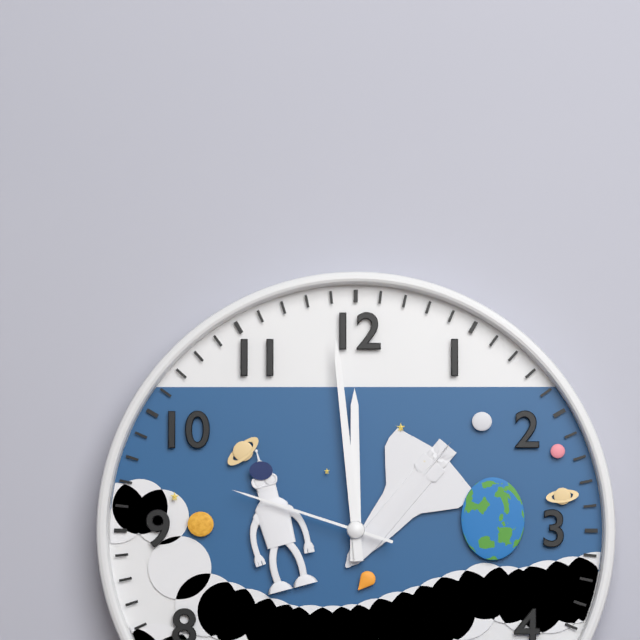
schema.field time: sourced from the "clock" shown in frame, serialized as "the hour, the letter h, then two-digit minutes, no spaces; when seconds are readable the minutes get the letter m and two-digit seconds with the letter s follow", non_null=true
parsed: 11h59m48s
